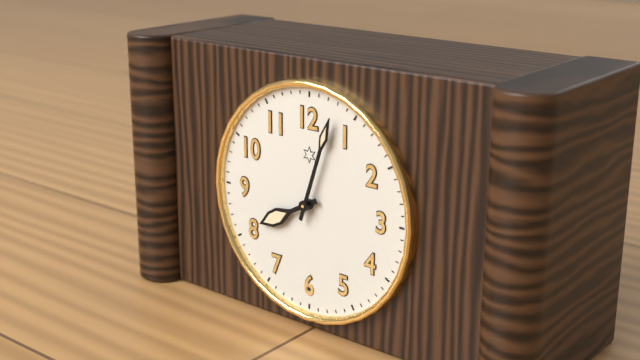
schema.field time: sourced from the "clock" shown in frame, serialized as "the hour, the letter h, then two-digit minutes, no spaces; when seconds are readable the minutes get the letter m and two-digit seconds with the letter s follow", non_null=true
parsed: 8h03
